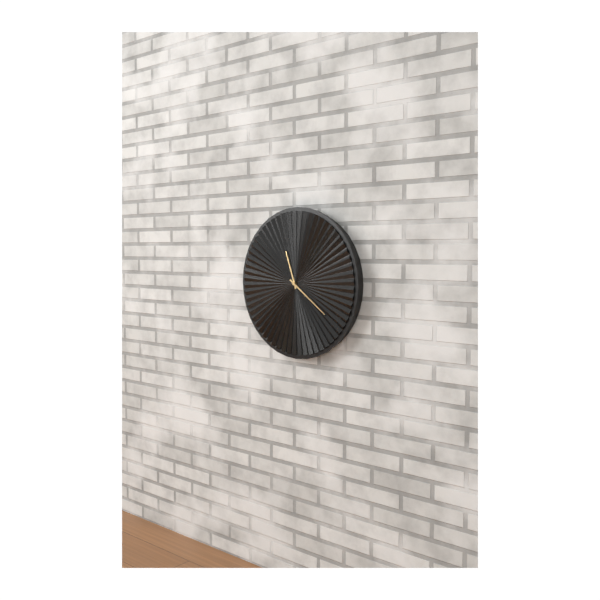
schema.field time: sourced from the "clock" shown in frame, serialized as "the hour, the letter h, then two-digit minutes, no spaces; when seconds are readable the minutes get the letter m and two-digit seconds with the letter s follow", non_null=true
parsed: 11h21
